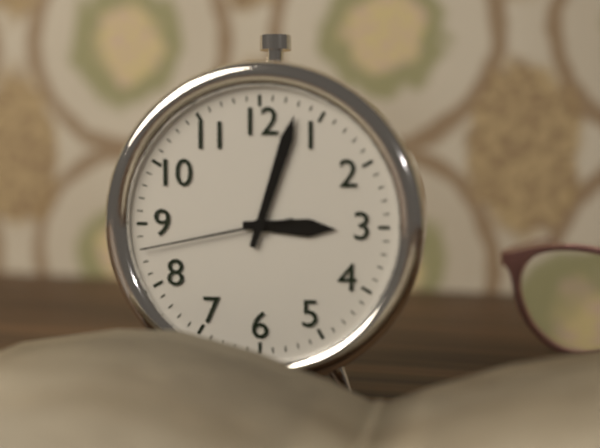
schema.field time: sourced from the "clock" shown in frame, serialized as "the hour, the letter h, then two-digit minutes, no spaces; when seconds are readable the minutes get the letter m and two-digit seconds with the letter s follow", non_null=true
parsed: 3h03m43s
